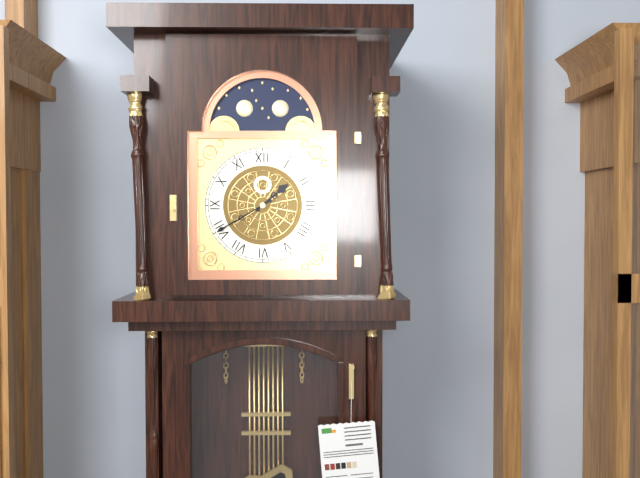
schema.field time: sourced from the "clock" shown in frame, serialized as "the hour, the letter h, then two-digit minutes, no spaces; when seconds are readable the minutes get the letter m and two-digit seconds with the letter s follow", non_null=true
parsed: 1h40
